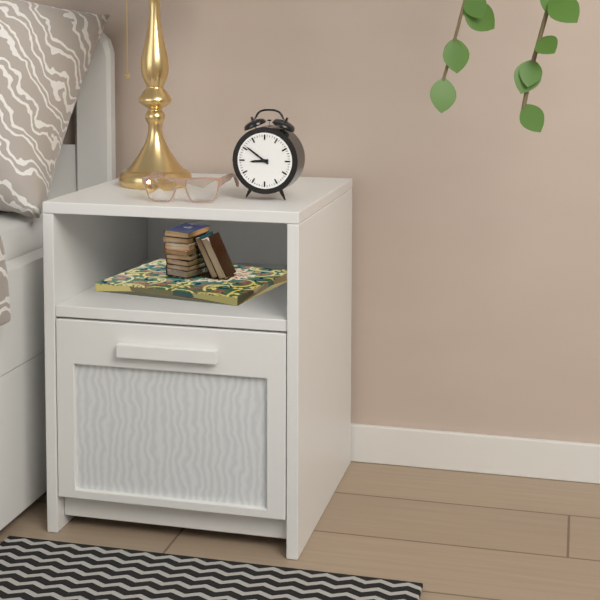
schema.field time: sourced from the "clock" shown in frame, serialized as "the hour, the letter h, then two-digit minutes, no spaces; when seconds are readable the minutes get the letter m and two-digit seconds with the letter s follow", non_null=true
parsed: 8h51
